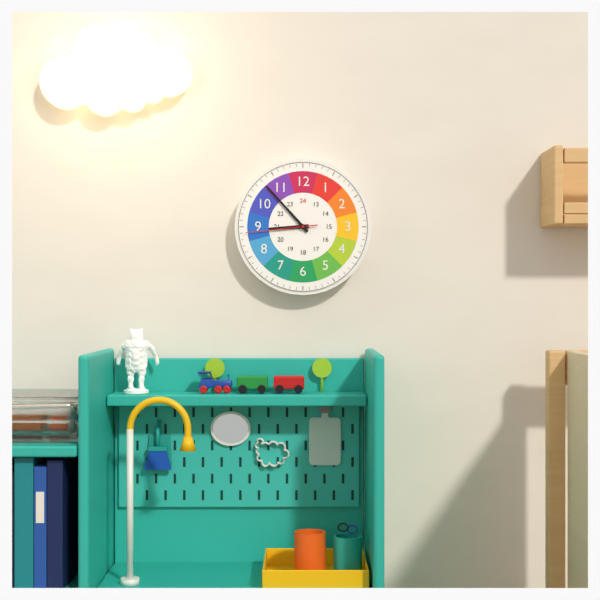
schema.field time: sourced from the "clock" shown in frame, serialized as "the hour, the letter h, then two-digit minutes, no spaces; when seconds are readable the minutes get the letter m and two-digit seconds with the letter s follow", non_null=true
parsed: 8h53m44s
